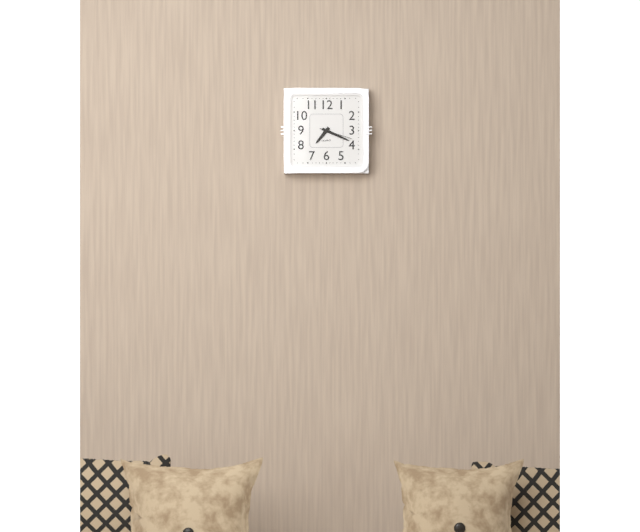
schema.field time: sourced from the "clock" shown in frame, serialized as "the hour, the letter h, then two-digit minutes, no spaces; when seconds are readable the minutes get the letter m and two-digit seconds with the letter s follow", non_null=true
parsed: 7h19
